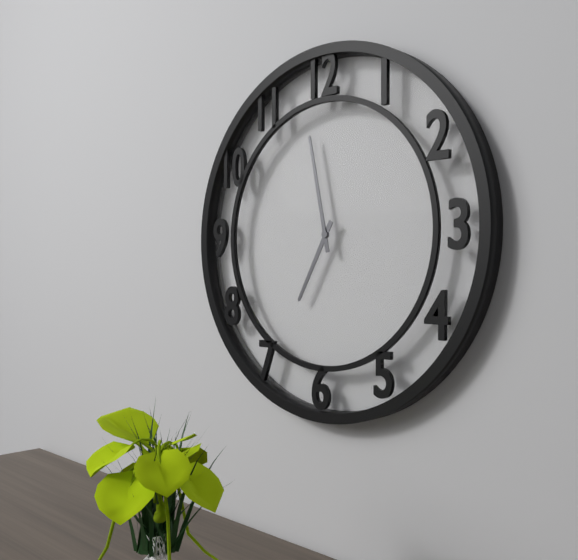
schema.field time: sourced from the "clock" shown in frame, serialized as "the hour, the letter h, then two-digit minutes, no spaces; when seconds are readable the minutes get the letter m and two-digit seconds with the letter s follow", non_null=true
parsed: 6h58
